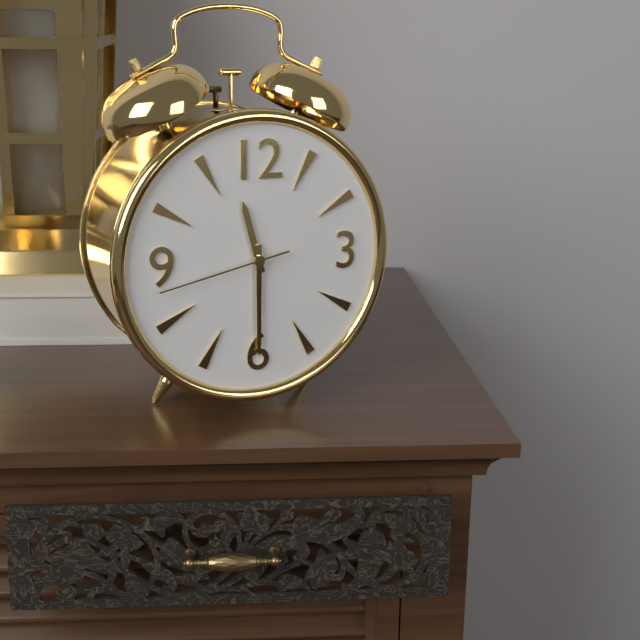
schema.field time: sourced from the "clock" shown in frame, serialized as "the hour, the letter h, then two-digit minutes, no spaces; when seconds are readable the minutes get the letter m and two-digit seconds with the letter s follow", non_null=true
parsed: 11h30m43s
